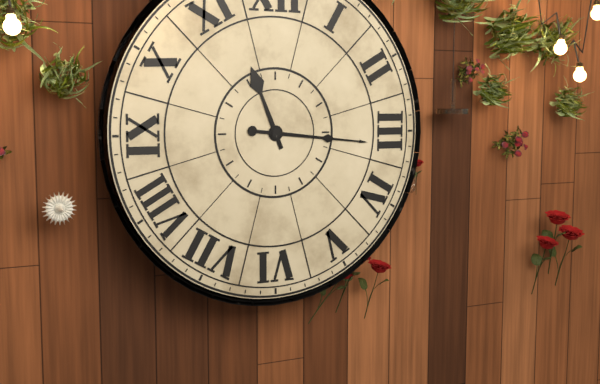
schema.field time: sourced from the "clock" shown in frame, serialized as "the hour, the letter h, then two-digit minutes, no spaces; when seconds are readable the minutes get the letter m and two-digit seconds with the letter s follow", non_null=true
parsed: 11h16
